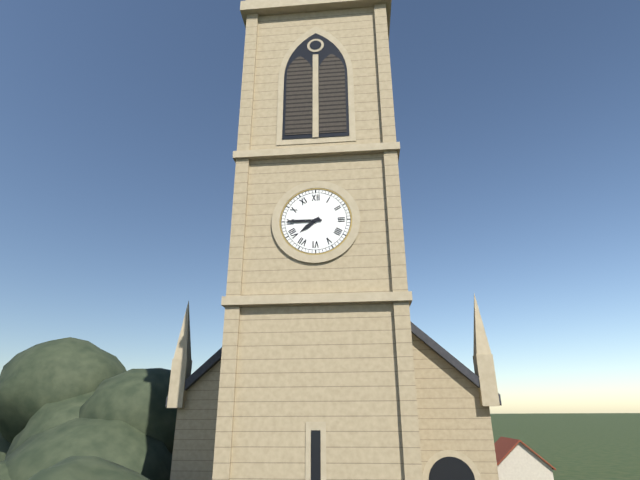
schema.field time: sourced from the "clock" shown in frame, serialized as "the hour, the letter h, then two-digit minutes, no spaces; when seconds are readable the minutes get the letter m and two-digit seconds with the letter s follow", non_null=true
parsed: 7h45
